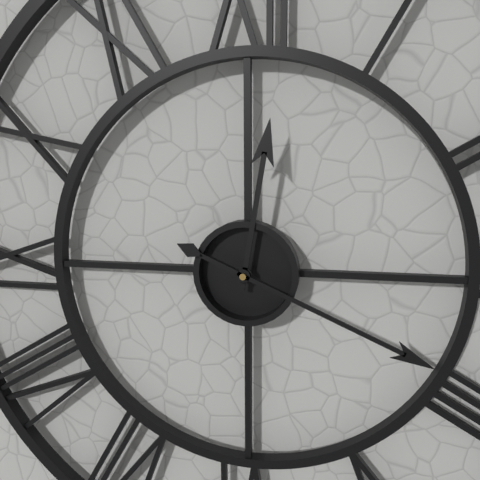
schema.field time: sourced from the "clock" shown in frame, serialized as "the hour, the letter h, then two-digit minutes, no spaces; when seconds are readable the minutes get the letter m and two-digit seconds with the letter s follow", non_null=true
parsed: 12h19
